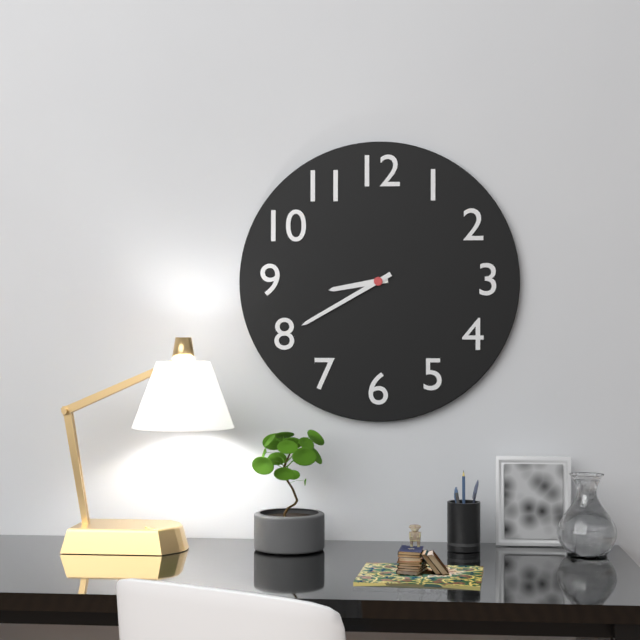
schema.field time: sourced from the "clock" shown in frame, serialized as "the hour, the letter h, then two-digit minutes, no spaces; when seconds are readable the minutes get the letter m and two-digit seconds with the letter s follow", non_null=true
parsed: 8h40
